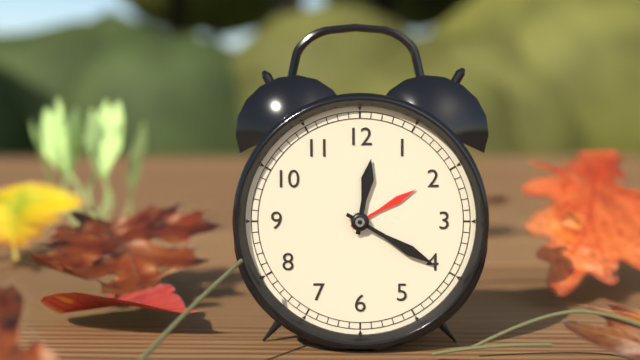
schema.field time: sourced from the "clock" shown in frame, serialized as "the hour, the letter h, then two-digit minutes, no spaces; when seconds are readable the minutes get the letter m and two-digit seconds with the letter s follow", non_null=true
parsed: 12h20
